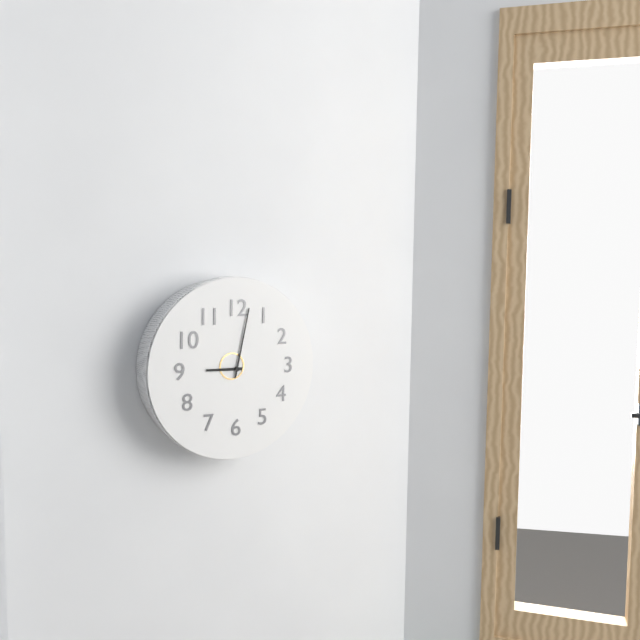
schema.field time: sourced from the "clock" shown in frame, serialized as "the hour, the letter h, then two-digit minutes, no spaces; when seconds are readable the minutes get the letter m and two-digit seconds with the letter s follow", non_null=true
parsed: 9h02
